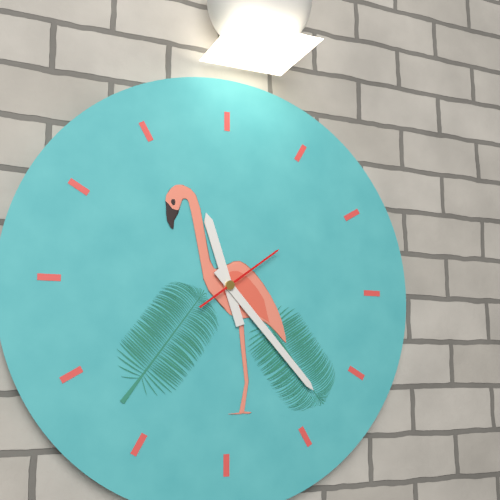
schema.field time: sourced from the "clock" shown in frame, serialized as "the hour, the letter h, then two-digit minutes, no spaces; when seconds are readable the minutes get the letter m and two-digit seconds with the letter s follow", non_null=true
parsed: 11h23m09s
